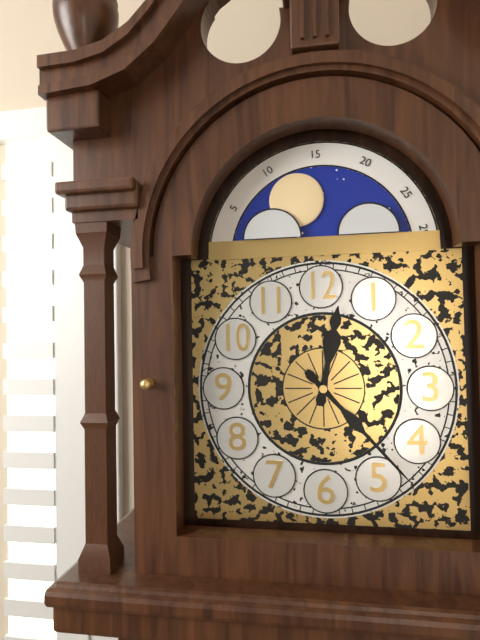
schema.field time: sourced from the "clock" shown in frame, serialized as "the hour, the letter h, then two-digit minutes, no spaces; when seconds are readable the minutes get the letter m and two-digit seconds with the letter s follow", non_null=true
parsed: 12h23
